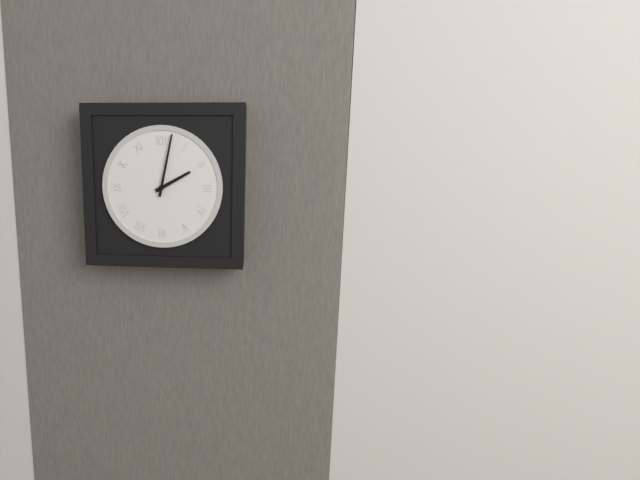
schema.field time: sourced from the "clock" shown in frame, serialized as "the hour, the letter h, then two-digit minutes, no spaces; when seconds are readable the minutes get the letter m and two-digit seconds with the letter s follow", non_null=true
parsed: 2h02
